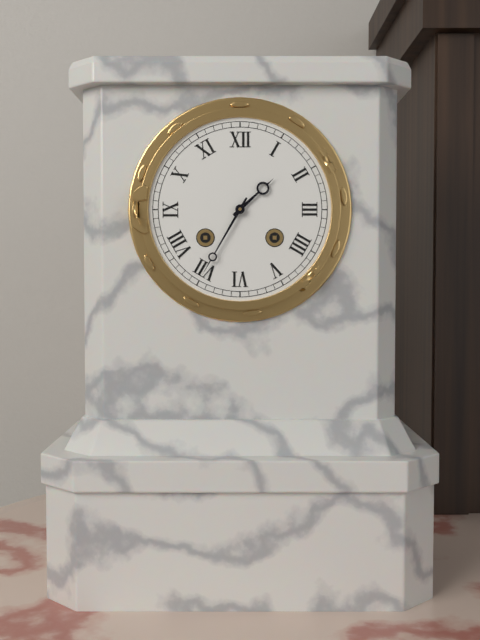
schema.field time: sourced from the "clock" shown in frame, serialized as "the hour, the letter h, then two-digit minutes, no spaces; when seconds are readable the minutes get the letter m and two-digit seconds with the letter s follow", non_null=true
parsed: 1h35
